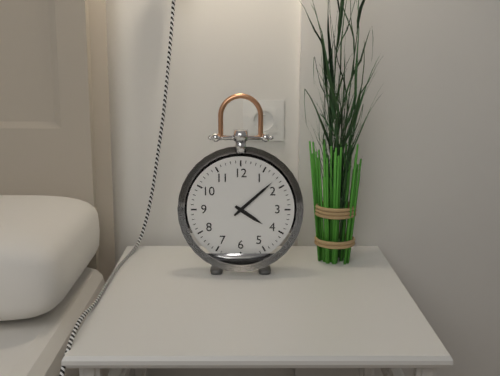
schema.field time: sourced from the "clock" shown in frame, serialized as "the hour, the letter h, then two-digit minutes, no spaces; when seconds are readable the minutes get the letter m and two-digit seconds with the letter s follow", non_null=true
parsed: 4h08
